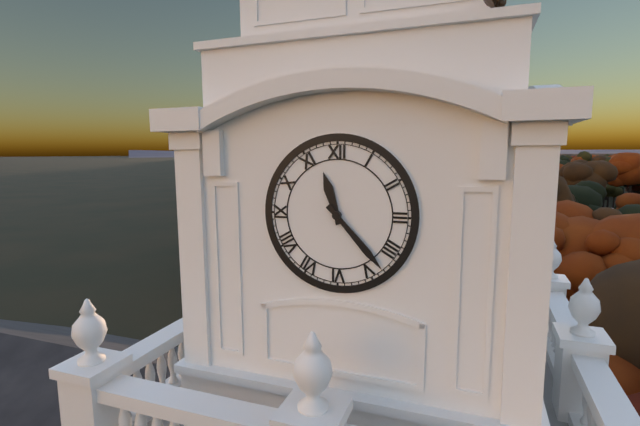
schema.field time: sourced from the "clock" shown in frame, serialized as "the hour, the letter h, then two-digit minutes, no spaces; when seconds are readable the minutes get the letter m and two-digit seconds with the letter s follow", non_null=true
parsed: 11h23
